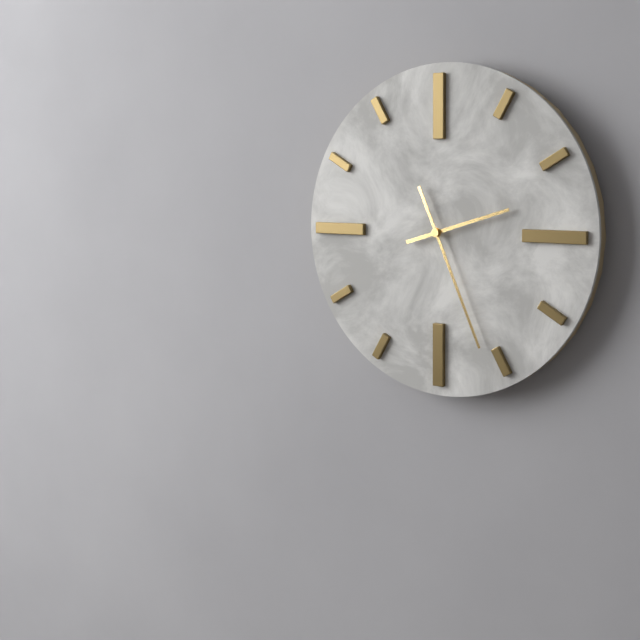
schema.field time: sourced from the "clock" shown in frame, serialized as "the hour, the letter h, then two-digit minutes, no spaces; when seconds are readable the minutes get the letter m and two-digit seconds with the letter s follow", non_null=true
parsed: 2h26
